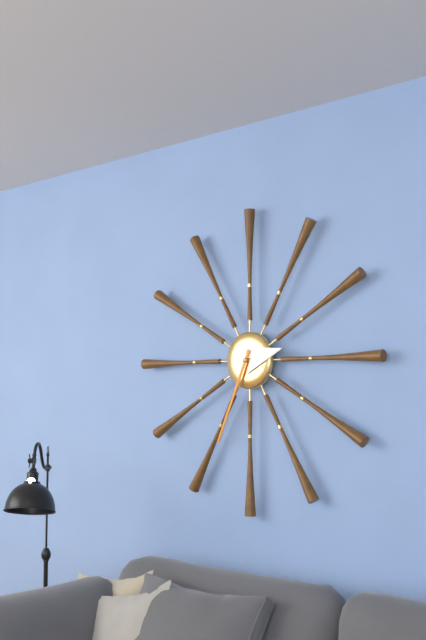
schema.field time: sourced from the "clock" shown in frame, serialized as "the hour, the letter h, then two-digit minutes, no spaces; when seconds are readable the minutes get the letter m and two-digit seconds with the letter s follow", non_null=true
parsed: 2h34
